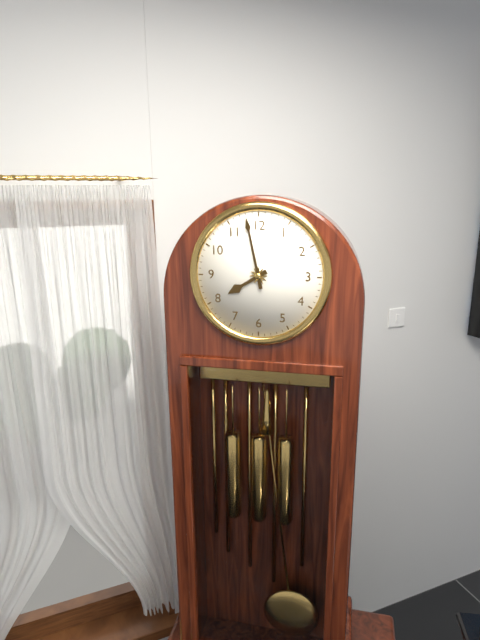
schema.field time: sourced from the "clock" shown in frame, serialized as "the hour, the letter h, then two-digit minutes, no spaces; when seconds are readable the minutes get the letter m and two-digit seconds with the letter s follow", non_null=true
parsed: 7h58
